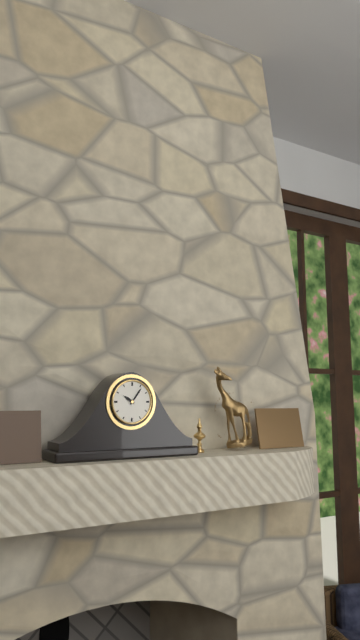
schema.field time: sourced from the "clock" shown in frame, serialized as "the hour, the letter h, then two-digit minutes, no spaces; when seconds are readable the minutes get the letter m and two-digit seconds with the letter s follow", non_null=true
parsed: 10h06
